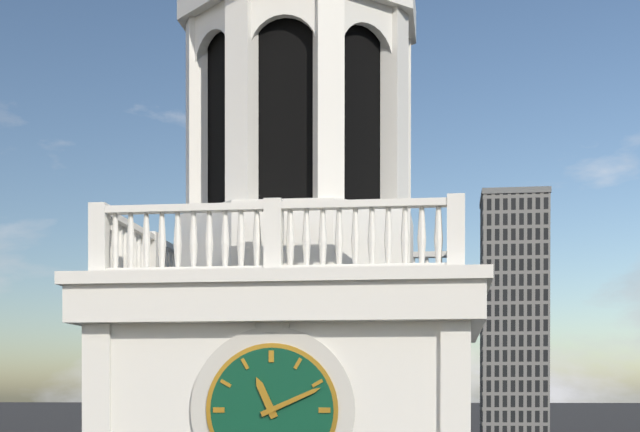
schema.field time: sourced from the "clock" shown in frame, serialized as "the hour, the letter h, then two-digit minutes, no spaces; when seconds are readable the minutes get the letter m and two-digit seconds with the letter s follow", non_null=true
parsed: 11h11
